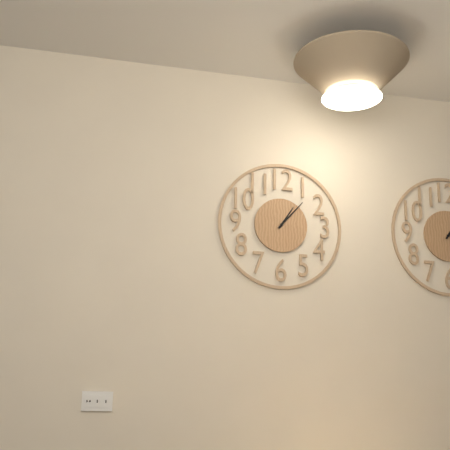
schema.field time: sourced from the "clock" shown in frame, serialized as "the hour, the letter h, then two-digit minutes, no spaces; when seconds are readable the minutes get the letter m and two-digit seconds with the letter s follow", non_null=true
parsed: 1h07
